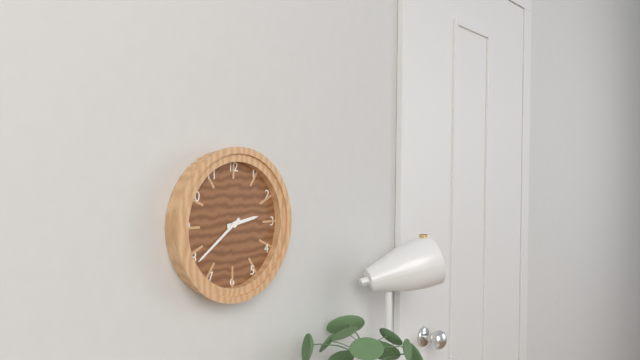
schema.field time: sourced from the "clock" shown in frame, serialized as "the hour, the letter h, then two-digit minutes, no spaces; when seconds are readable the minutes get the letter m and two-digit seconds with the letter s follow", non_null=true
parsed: 2h39
